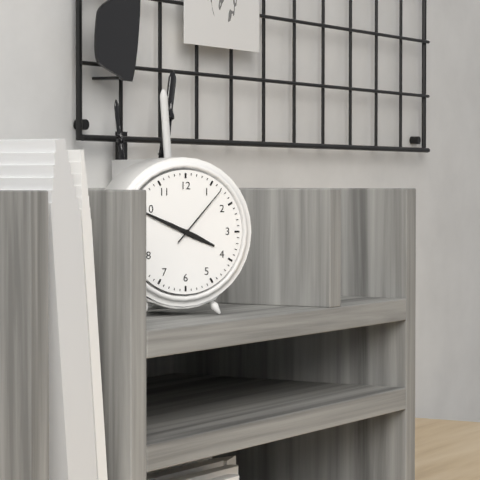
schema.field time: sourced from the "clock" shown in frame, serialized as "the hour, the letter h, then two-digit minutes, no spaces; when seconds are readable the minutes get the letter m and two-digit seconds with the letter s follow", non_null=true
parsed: 3h49m07s
